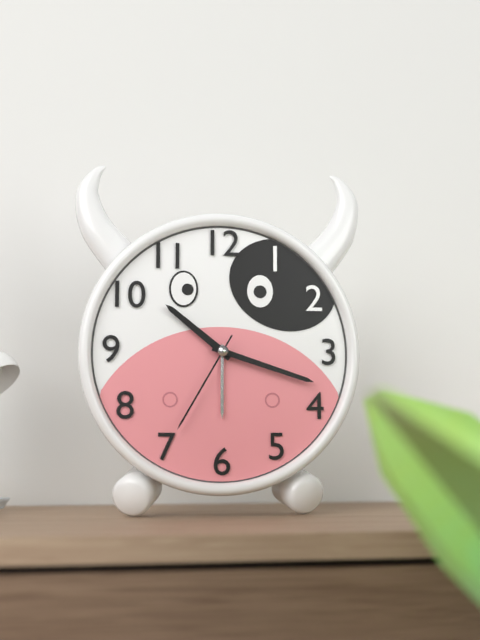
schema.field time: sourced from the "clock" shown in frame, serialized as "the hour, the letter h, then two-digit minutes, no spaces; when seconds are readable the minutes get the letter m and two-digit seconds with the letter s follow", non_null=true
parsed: 10h18m35s
